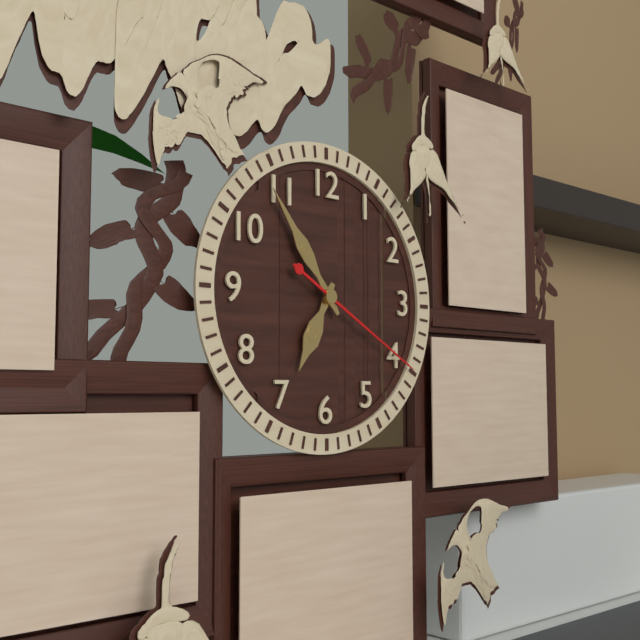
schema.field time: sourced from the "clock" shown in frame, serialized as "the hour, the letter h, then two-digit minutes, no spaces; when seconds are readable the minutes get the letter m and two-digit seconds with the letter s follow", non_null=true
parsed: 6h54m20s
